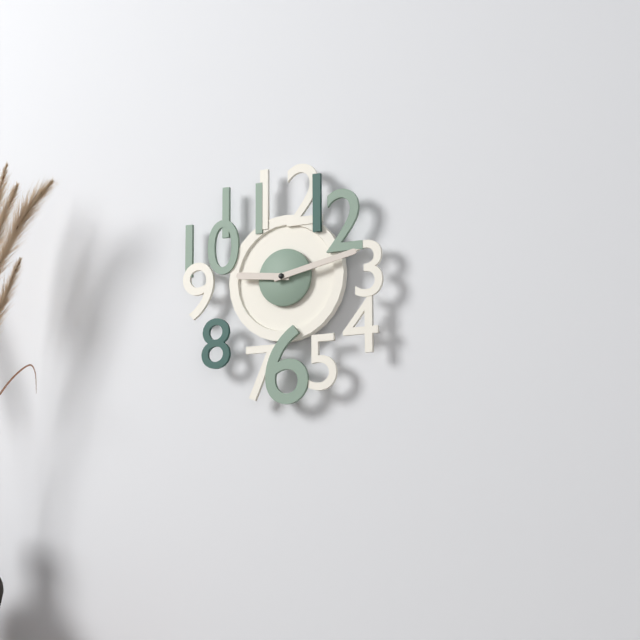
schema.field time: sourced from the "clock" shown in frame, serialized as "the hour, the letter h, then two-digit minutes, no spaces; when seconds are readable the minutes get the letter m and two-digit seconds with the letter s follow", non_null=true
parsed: 9h13
